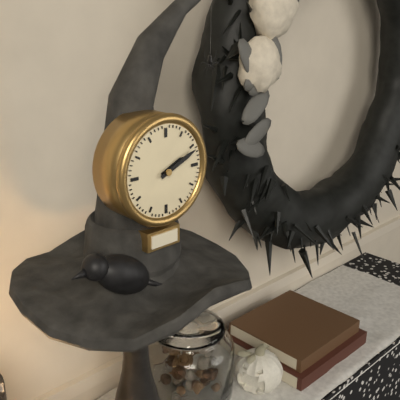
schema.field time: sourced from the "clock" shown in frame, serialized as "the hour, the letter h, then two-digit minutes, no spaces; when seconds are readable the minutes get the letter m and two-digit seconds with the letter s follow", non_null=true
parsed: 2h11
